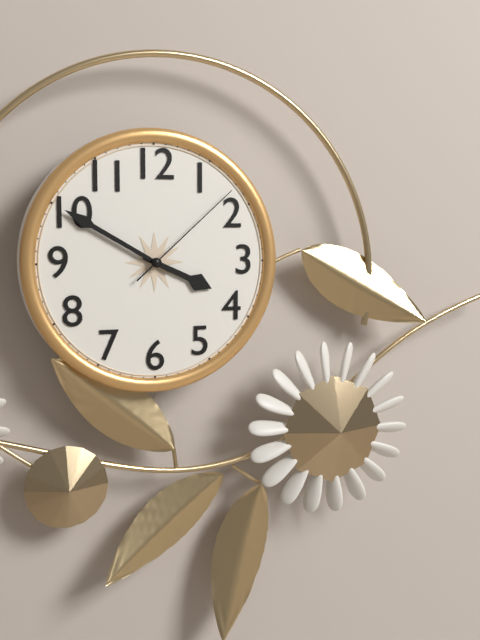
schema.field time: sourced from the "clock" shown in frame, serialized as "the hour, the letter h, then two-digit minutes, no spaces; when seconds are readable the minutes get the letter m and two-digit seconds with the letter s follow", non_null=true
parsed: 3h50m08s
